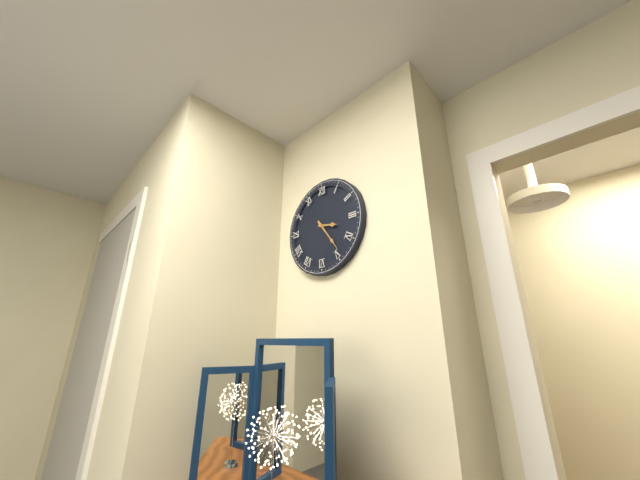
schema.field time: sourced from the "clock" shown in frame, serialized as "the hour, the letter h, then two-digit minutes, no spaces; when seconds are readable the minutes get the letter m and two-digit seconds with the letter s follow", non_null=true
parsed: 3h24
